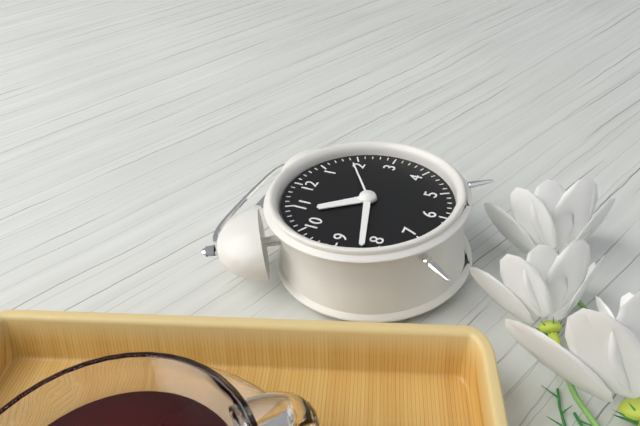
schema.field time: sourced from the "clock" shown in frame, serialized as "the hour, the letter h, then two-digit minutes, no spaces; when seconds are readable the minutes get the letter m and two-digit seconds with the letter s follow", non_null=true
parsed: 10h42
